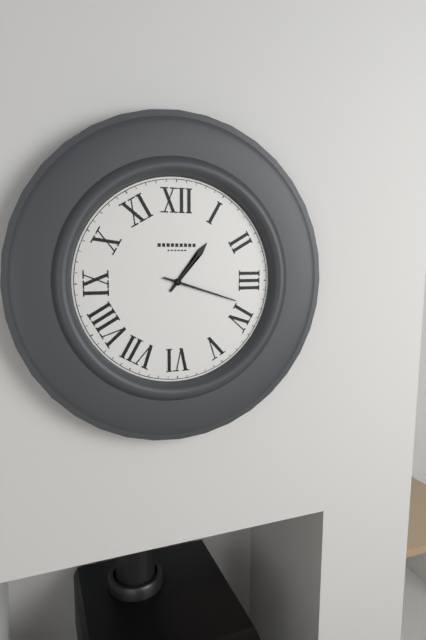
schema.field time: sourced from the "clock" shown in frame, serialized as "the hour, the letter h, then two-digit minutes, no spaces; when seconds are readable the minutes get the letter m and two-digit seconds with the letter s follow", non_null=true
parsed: 1h18
